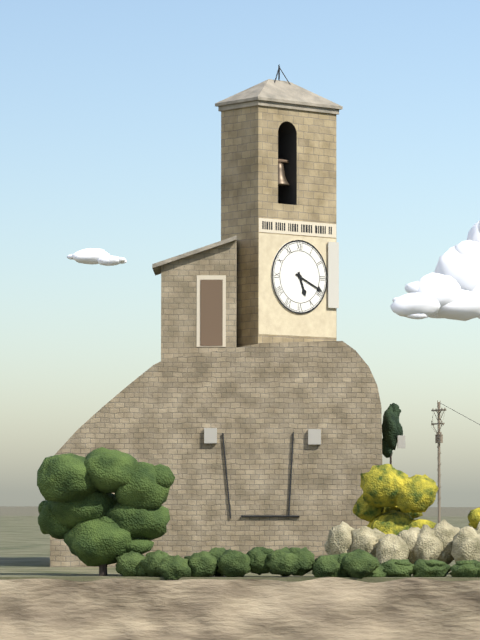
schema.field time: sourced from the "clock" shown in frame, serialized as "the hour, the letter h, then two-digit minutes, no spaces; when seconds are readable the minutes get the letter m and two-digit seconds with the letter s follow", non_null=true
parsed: 5h19
